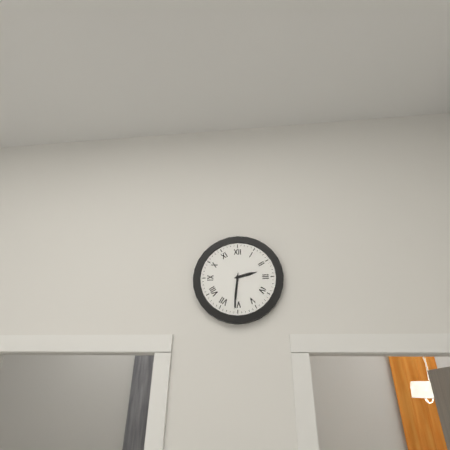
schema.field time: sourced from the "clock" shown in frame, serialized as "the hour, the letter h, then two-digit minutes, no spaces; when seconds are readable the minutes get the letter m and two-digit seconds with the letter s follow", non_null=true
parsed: 2h31
